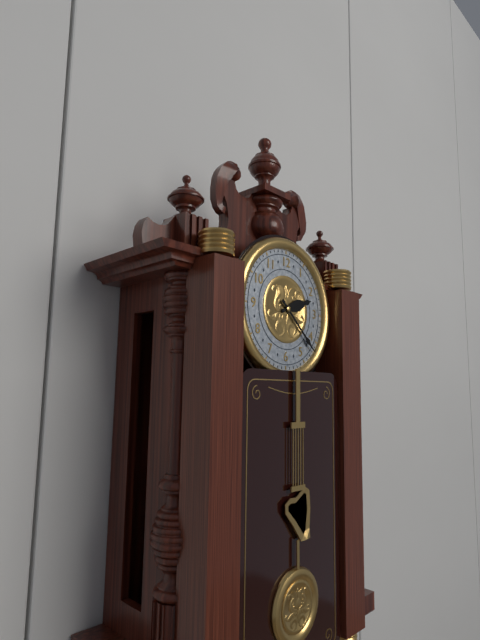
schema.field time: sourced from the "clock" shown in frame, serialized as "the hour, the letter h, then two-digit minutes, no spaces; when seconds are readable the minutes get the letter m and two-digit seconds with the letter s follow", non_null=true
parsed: 2h22
